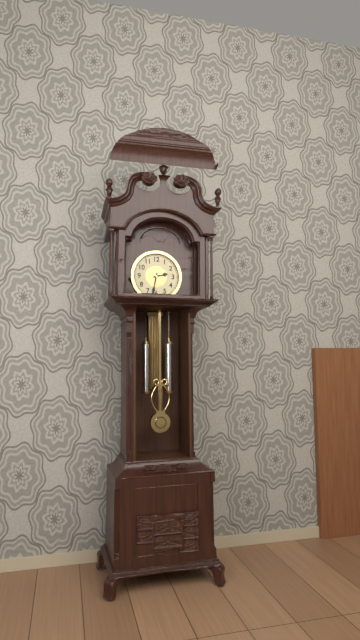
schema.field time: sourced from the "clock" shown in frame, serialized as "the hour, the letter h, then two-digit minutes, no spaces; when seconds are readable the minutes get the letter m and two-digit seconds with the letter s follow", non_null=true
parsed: 2h32
